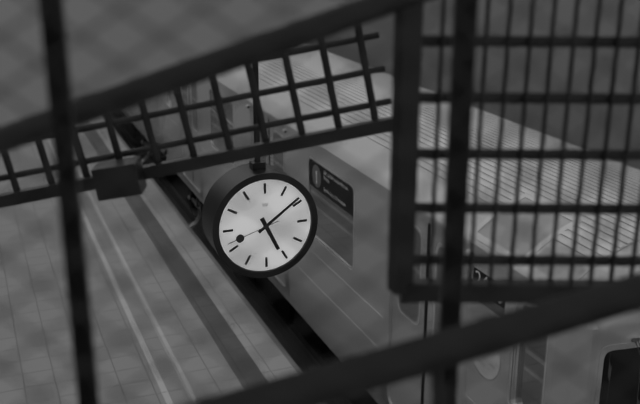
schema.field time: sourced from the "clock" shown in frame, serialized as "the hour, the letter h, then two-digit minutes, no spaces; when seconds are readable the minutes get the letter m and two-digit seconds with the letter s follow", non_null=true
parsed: 5h09
